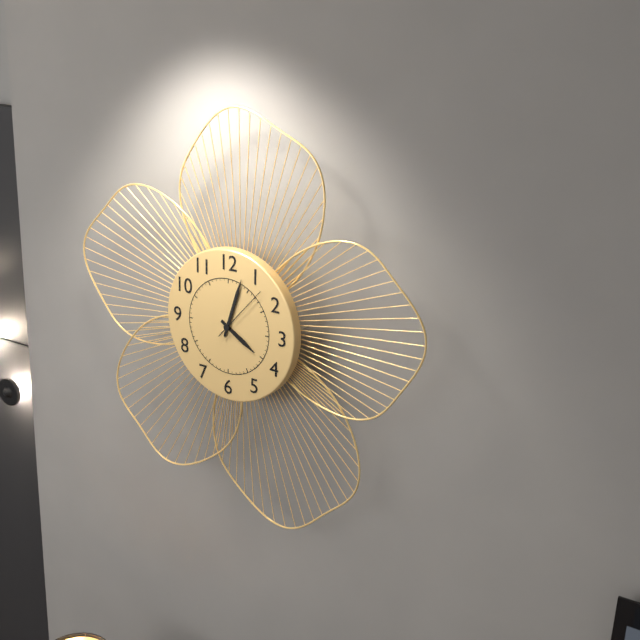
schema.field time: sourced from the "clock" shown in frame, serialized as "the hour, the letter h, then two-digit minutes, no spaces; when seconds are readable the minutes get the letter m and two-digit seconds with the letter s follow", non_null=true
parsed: 4h03m07s
